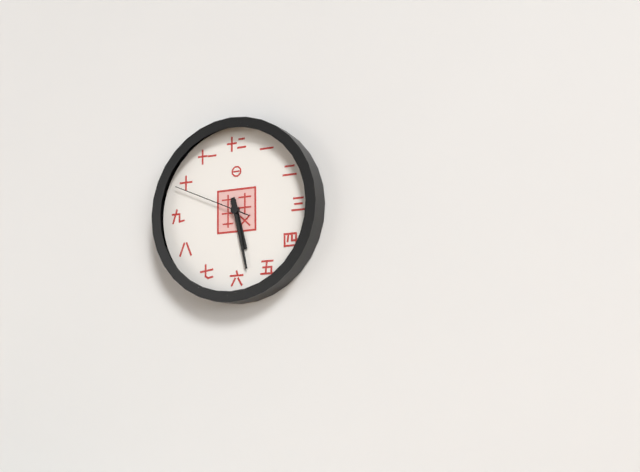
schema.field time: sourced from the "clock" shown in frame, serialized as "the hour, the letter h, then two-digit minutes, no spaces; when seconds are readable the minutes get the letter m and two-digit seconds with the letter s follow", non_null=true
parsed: 5h28m49s
